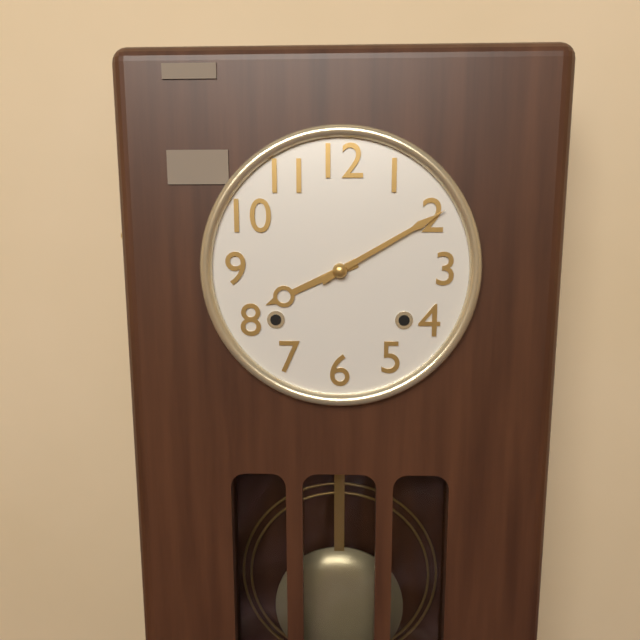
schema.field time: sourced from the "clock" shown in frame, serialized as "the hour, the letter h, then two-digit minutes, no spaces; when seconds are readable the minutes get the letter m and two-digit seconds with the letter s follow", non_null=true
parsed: 8h10
